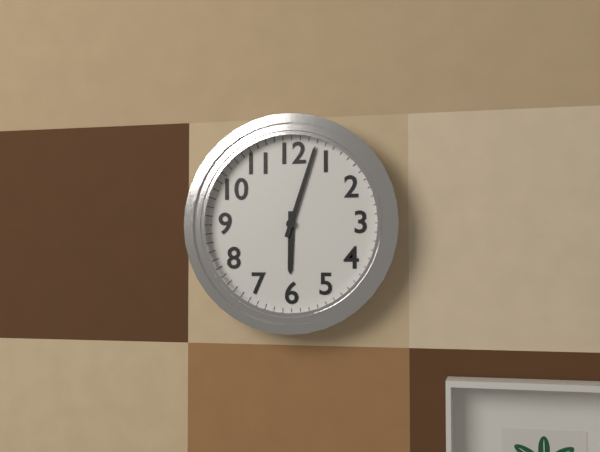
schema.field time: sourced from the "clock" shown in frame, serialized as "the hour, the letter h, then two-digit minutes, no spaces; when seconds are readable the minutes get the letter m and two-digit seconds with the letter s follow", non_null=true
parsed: 6h03
